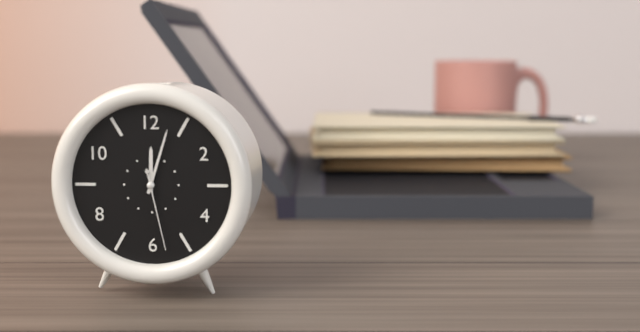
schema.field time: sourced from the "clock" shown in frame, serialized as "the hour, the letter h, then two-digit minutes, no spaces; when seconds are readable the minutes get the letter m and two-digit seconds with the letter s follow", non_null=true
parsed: 12h03m28s
